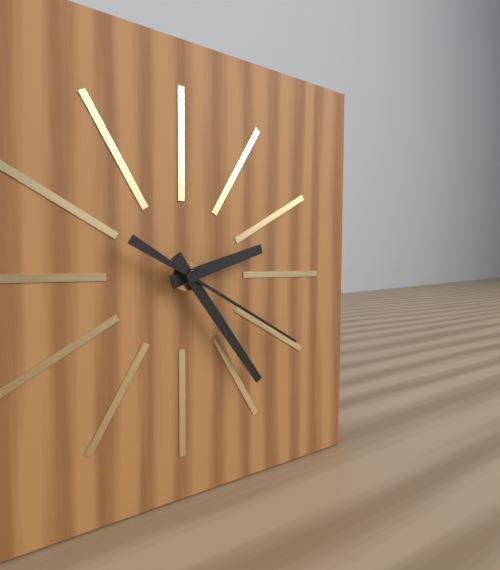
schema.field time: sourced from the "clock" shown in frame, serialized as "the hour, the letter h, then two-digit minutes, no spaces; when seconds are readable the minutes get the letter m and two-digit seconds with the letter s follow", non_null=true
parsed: 2h24m20s
